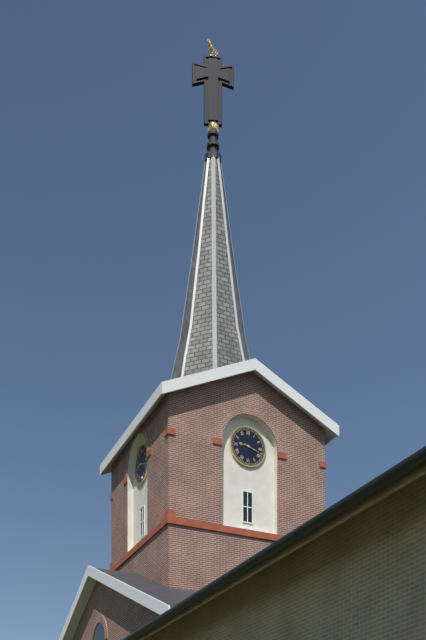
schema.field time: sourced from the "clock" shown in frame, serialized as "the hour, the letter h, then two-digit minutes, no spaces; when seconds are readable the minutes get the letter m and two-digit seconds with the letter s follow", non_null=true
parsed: 9h18
